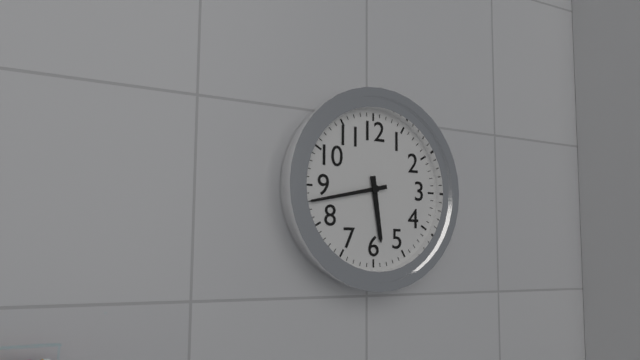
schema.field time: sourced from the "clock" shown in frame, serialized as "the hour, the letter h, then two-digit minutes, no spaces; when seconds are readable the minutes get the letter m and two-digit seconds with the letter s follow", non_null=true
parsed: 5h43
